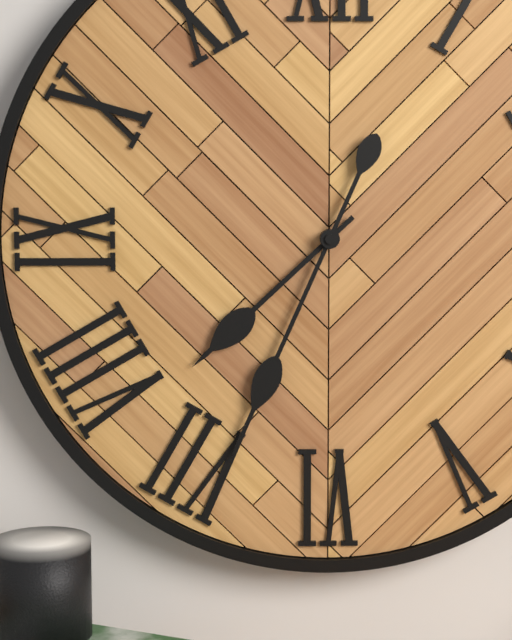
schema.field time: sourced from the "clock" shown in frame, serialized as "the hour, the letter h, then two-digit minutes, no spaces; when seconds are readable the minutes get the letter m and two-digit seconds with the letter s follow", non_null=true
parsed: 7h34
